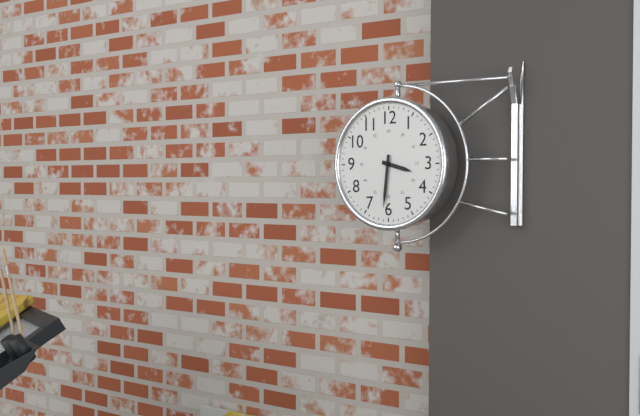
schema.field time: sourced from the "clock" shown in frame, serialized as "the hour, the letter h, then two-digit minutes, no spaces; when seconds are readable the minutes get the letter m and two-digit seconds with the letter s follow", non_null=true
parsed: 3h31
